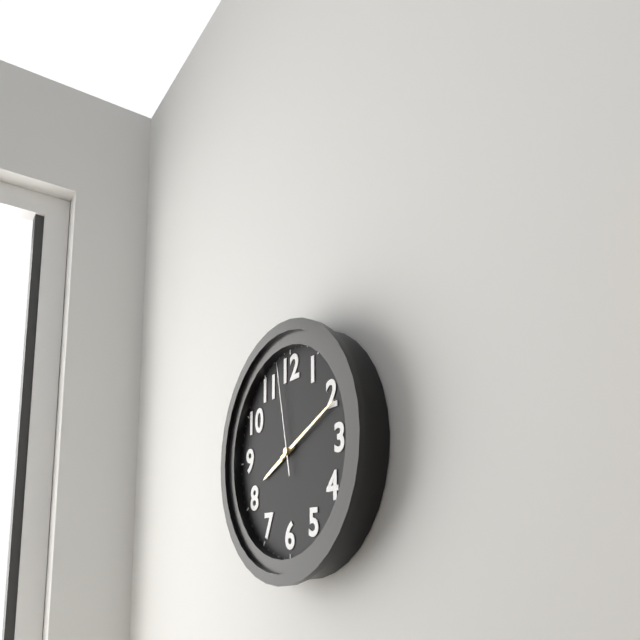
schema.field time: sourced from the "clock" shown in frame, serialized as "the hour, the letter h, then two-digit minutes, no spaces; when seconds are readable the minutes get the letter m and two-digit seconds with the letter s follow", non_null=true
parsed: 8h11m58s
